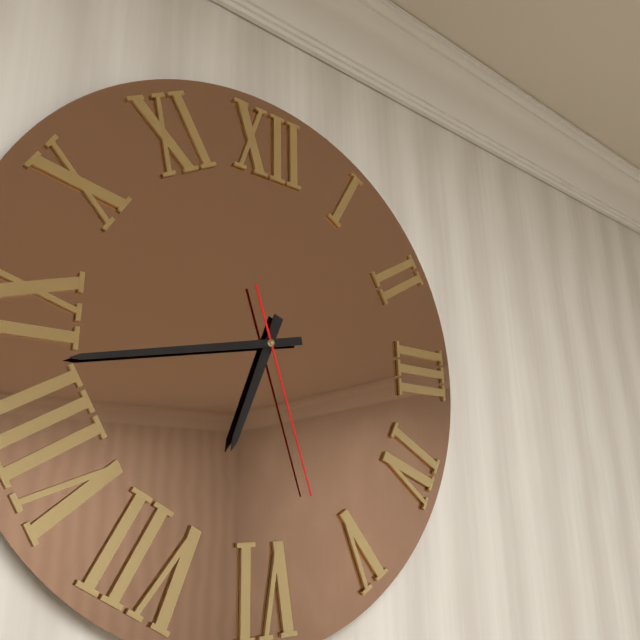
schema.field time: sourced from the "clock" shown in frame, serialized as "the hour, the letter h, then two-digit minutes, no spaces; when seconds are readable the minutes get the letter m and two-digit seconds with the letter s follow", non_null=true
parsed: 6h43m27s
